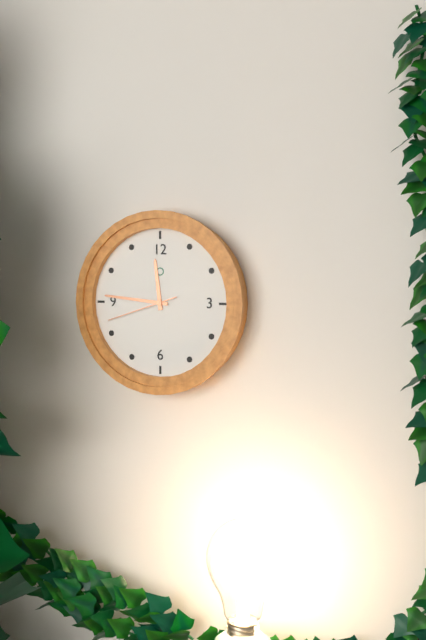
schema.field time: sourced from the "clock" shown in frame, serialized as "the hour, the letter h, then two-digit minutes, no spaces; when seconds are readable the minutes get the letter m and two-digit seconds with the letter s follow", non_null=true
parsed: 11h46m42s
